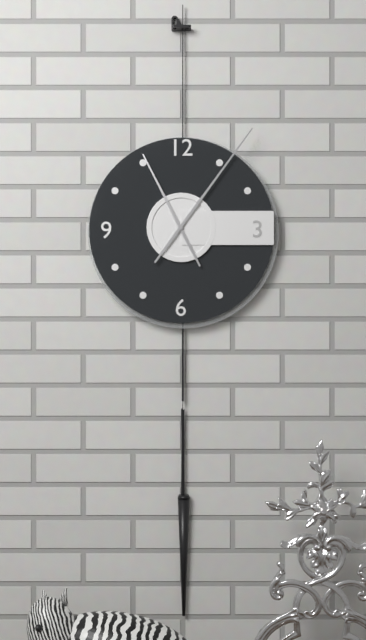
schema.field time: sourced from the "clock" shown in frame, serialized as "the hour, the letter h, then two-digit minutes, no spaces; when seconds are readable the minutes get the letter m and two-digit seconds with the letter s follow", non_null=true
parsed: 11h06
